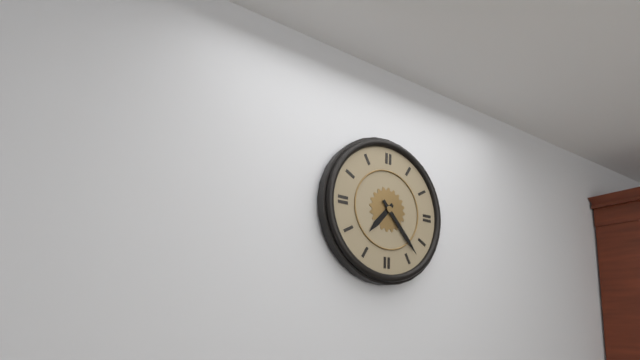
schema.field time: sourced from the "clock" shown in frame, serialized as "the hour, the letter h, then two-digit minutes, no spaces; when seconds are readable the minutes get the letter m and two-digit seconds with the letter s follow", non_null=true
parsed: 7h23
